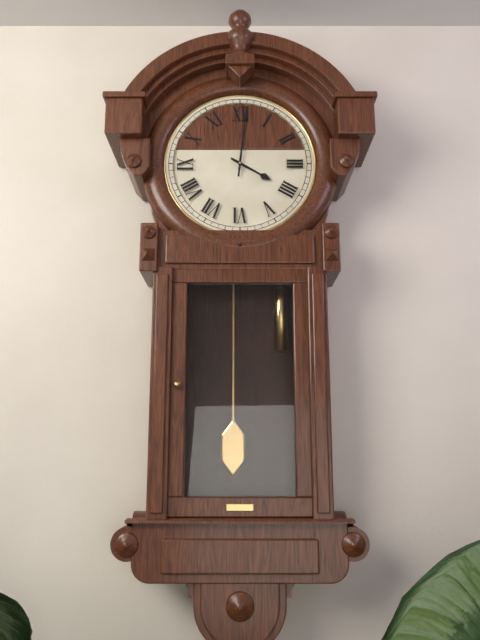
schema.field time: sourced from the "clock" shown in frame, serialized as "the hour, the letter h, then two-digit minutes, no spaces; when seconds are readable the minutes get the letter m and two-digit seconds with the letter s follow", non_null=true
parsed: 4h01
